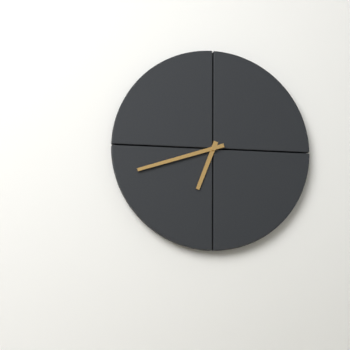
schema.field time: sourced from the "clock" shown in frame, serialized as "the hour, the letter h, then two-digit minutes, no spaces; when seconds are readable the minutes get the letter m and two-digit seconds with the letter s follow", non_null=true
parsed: 6h42
